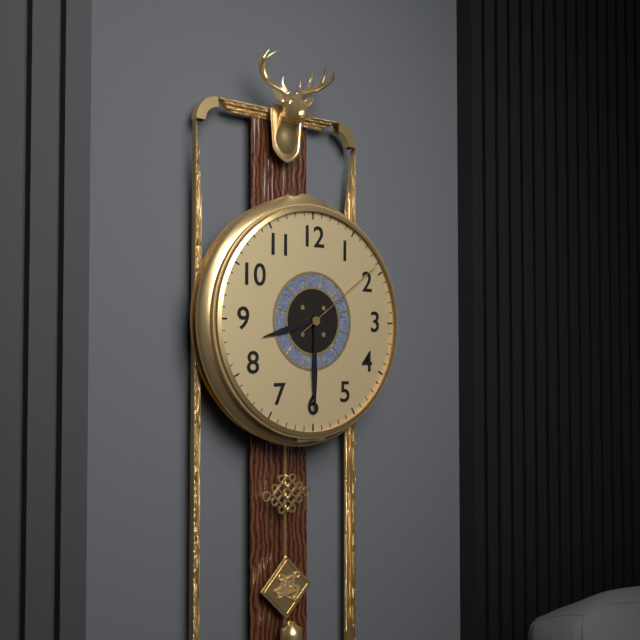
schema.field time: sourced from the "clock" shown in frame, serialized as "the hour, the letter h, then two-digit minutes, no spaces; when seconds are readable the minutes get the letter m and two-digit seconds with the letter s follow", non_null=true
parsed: 8h30m09s
